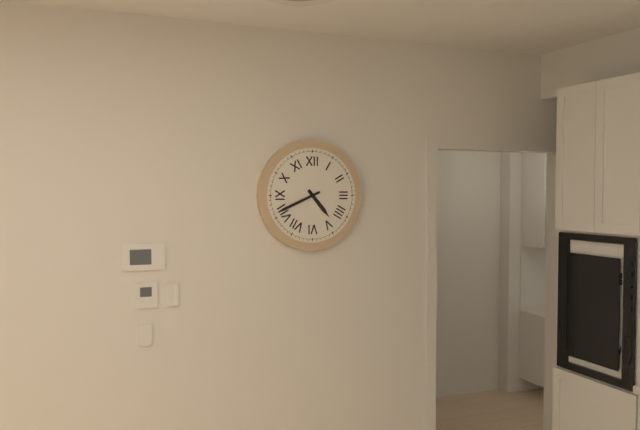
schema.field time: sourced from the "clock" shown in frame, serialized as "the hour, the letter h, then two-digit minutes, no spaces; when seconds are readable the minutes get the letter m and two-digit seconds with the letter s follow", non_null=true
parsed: 4h41
